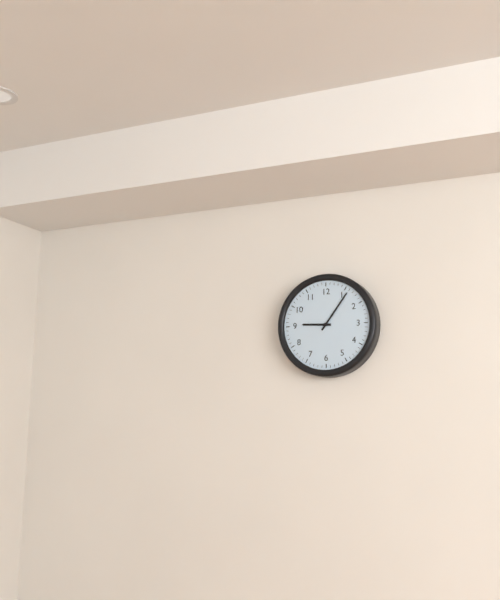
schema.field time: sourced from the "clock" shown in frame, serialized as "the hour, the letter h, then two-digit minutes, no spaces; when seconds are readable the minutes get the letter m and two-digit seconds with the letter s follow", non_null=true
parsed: 9h06
